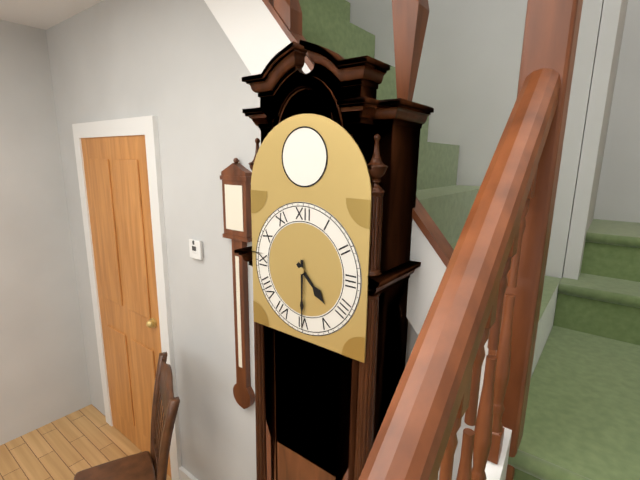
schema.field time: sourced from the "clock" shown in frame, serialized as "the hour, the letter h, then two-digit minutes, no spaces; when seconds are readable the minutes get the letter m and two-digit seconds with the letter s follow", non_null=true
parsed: 4h30
